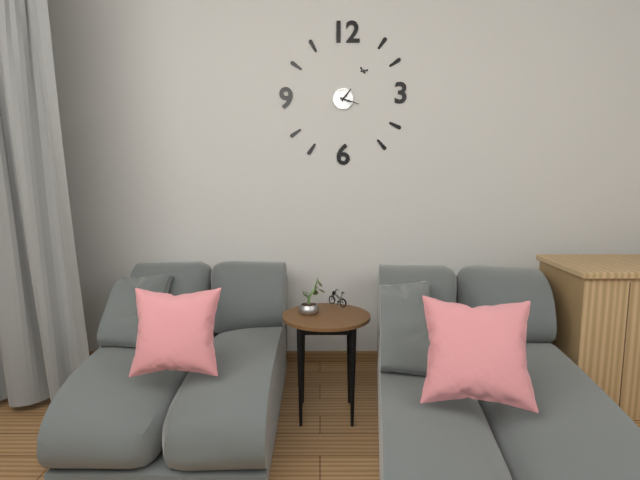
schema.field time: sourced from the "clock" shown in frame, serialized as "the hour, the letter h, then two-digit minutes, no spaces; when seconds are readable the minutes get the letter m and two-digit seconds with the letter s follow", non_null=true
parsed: 1h18
